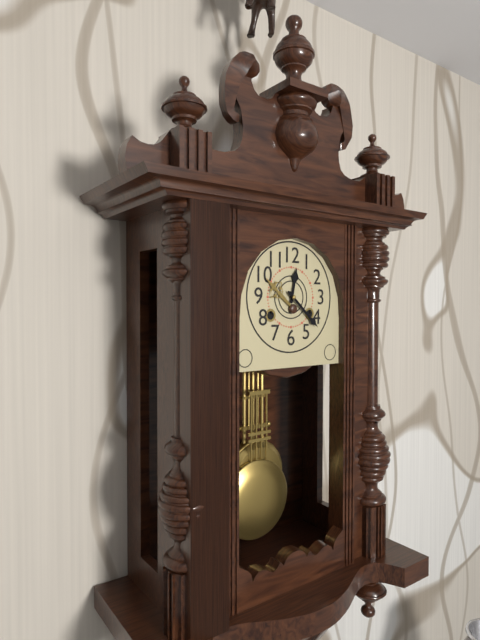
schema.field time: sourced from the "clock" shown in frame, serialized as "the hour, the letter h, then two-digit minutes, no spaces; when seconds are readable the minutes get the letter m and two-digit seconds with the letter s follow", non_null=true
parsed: 12h22
